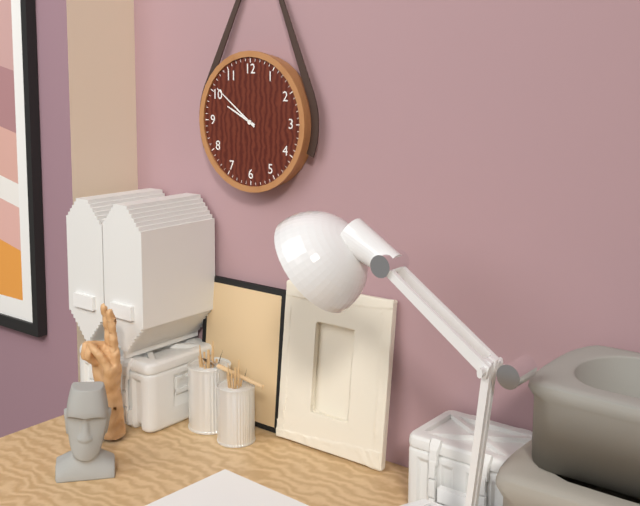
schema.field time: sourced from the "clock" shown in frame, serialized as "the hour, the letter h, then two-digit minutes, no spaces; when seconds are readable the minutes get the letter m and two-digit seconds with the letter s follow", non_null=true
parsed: 9h51
